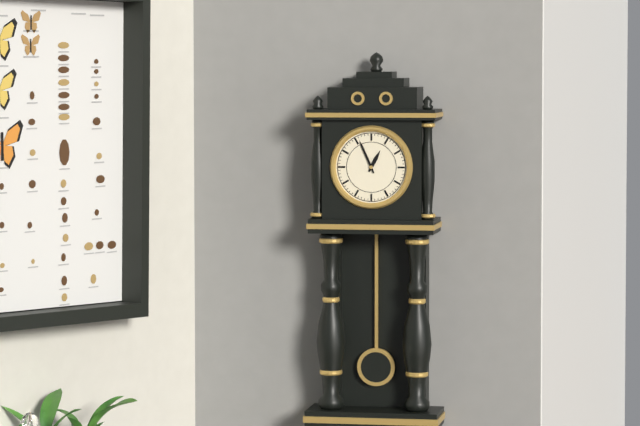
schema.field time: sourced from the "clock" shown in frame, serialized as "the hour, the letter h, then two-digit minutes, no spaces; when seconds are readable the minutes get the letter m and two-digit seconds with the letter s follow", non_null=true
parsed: 12h56
